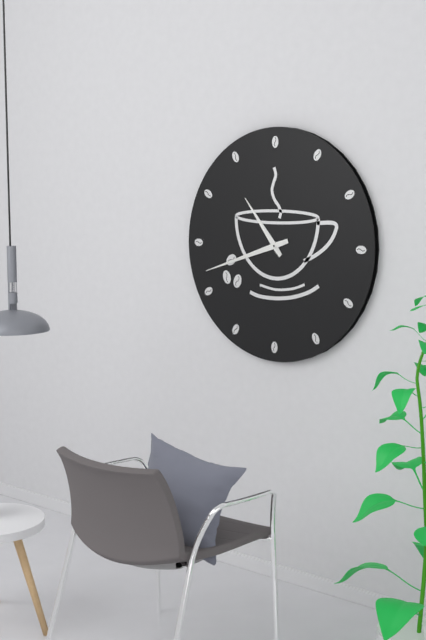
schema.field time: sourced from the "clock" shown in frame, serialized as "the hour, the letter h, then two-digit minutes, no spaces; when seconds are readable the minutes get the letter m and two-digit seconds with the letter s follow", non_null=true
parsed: 10h42
